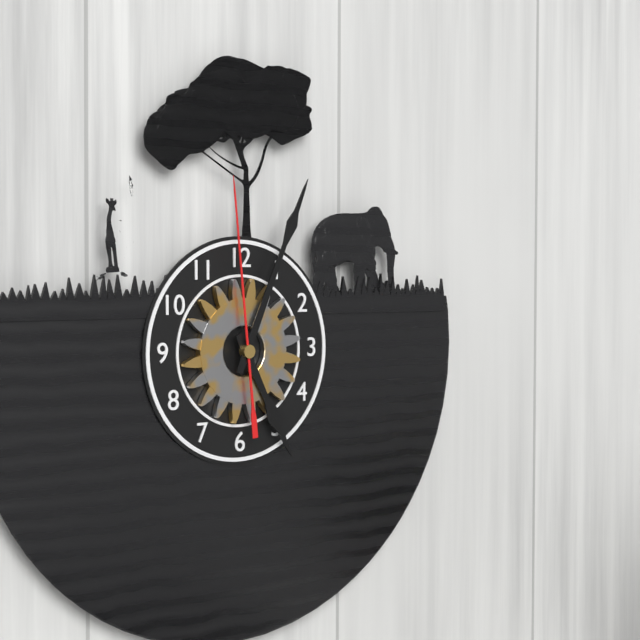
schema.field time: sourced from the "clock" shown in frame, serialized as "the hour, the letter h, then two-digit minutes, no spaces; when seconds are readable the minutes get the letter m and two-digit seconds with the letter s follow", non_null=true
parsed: 5h04m59s
